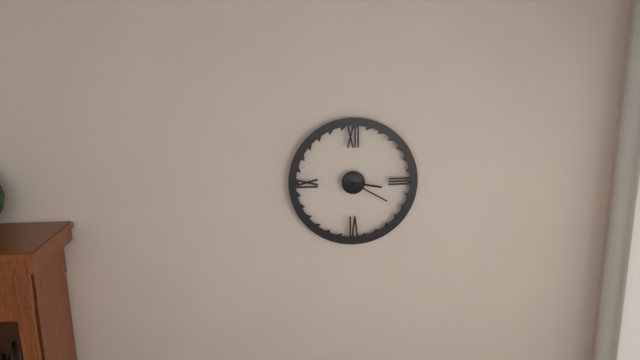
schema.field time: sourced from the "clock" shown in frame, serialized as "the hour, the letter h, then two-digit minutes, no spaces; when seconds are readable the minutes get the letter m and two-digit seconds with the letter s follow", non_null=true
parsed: 3h20
